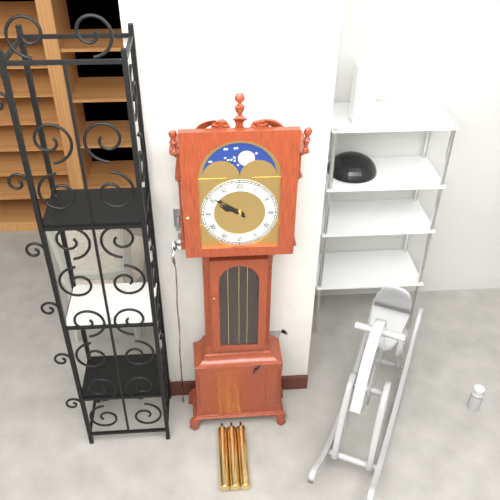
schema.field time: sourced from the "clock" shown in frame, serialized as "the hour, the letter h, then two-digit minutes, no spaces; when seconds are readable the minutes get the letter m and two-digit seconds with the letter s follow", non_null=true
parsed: 9h51
